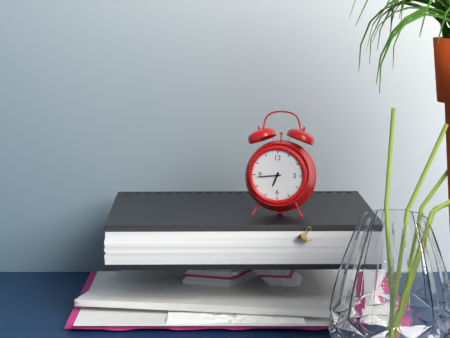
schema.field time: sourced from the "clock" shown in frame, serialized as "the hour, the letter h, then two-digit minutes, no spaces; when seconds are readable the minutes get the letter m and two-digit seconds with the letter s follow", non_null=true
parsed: 6h44
